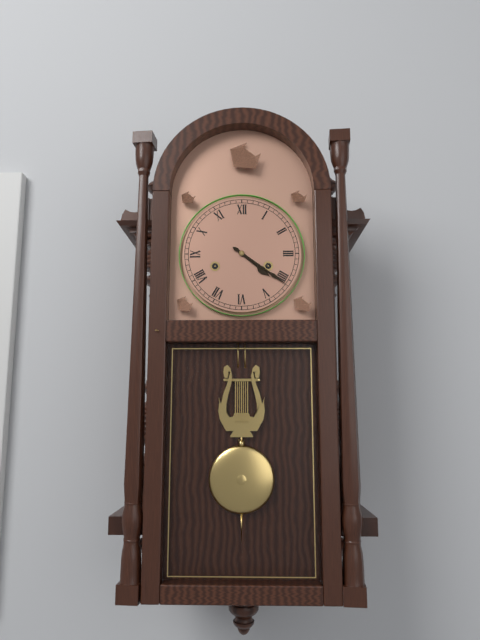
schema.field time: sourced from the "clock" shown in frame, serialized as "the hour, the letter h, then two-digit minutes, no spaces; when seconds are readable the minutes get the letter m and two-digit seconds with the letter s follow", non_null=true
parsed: 4h21
